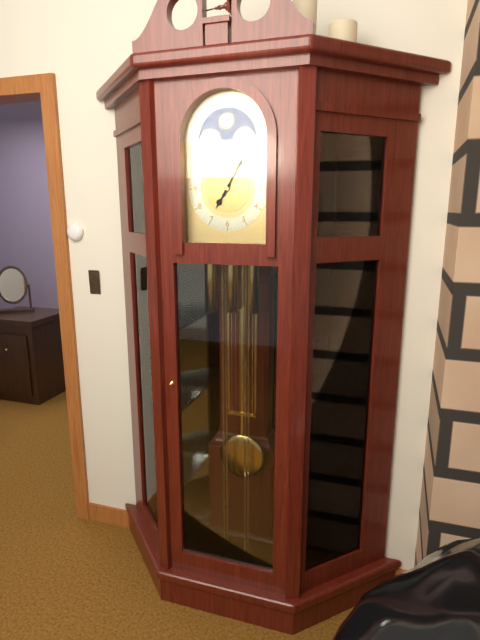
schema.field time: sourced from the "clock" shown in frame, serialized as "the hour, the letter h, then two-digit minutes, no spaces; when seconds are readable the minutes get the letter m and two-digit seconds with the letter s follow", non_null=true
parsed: 7h05
